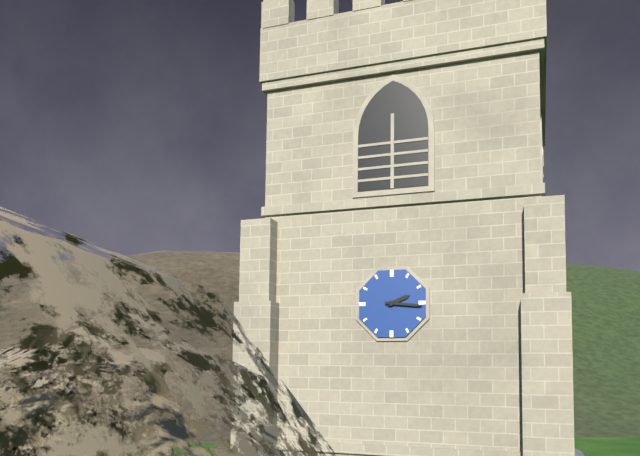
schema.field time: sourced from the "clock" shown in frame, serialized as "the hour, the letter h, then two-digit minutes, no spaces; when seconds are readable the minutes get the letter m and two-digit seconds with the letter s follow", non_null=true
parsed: 2h16
